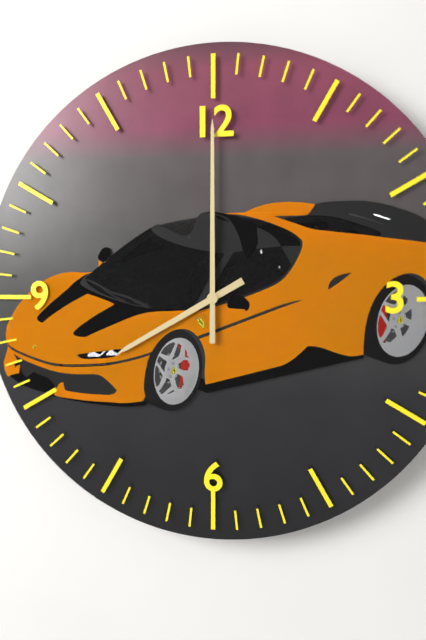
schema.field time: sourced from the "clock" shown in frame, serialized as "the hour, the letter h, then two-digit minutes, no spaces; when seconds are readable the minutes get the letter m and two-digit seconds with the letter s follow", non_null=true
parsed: 8h00
